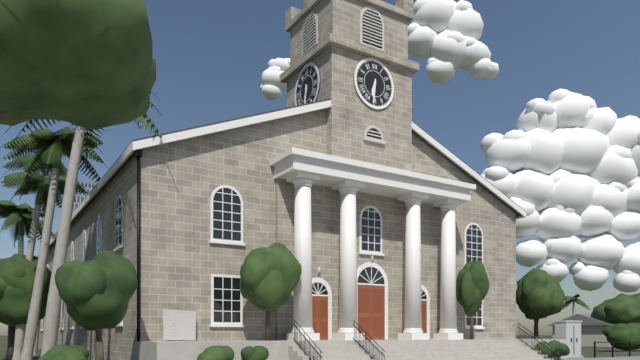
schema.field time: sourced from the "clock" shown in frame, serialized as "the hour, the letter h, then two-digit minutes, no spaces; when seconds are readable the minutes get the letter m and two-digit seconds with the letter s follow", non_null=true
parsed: 6h31
